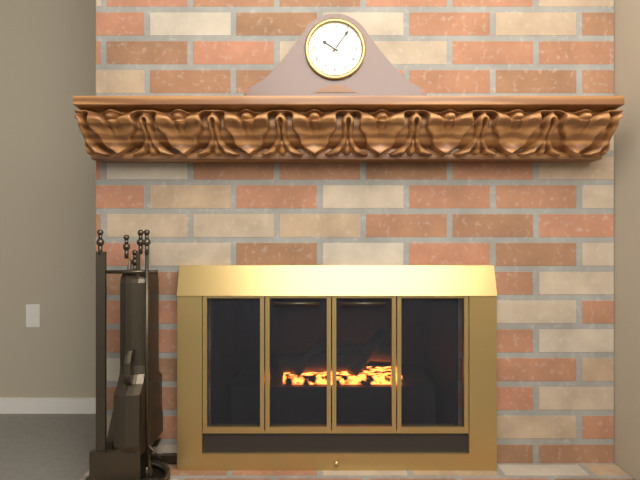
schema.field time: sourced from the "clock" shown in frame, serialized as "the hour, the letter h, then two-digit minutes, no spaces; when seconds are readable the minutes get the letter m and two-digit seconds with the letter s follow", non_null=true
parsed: 10h06
